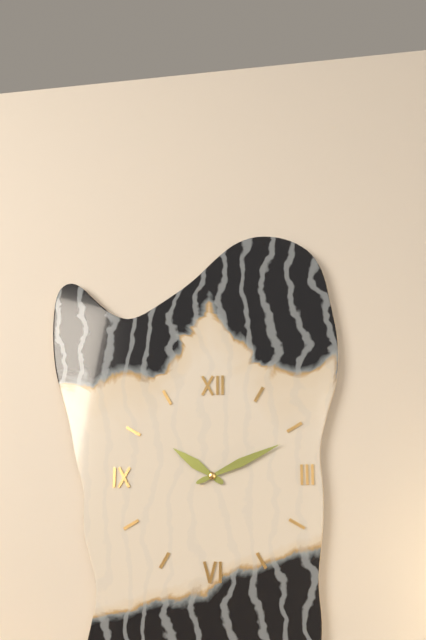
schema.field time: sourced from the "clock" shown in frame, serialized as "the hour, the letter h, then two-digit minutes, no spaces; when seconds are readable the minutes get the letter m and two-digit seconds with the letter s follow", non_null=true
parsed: 10h11
